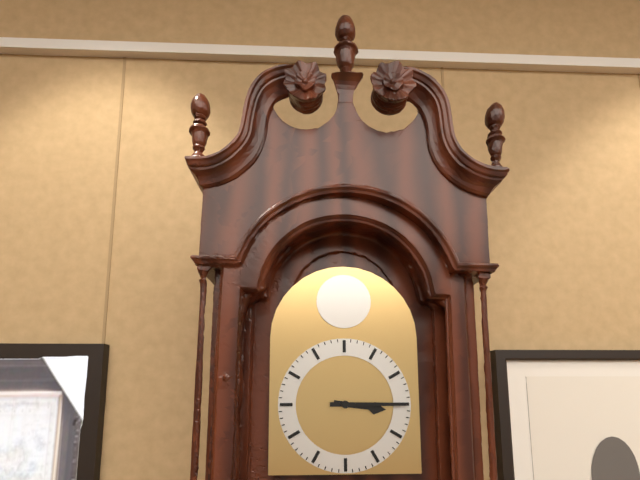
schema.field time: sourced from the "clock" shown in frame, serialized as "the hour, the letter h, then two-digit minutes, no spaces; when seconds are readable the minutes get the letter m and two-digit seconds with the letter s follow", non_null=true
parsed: 3h15
